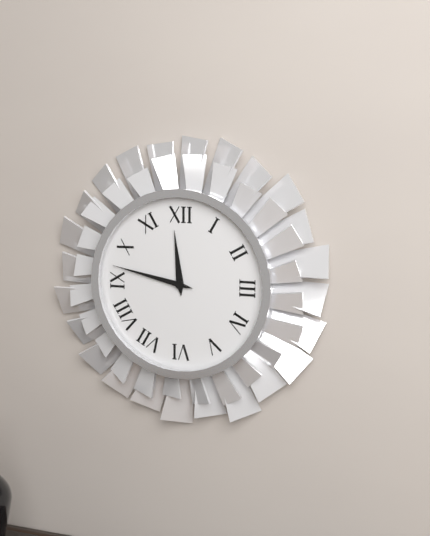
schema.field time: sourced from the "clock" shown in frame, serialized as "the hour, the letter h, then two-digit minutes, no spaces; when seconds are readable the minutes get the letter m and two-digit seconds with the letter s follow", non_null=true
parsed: 11h47
